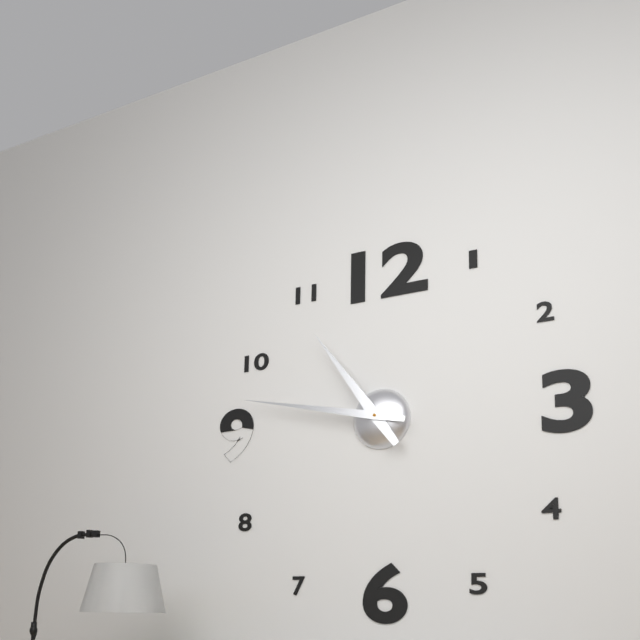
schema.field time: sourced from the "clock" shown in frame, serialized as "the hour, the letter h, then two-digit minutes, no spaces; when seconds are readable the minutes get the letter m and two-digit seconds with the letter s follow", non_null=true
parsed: 10h47
